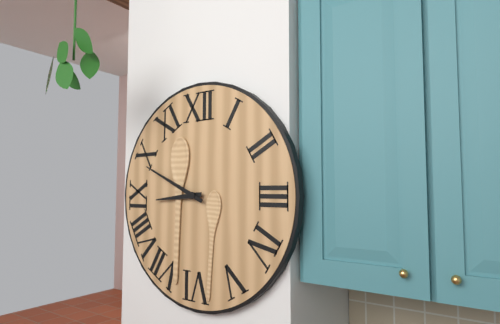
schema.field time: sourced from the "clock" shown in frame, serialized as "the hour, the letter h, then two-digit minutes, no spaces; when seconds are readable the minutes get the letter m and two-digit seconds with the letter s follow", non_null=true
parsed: 8h49
